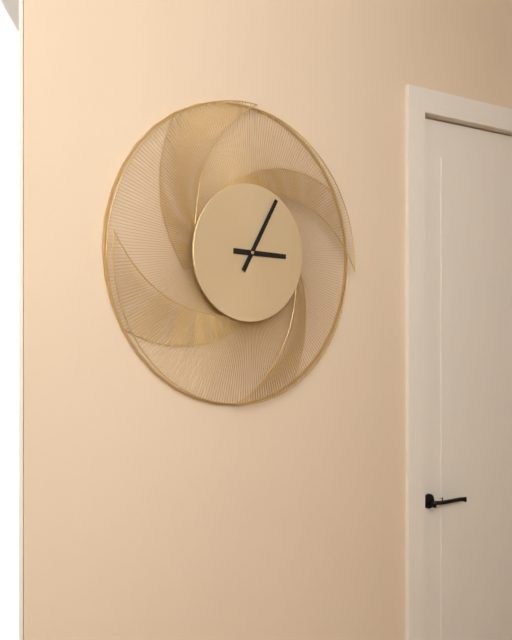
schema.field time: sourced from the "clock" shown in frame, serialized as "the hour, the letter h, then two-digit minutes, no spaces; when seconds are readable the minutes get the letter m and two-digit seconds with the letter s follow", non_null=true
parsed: 3h05
